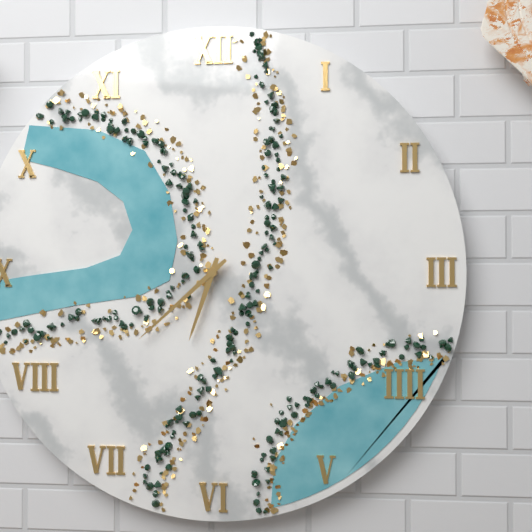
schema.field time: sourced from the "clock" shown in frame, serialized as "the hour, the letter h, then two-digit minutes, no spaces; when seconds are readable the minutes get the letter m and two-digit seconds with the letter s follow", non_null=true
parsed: 6h38
